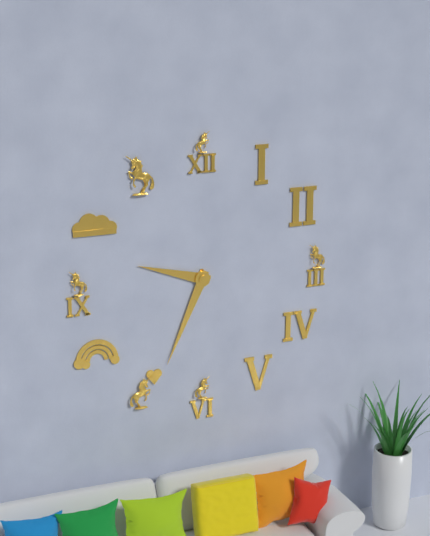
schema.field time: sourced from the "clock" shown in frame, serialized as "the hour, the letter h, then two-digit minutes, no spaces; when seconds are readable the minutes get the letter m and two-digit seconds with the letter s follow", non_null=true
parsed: 9h34
